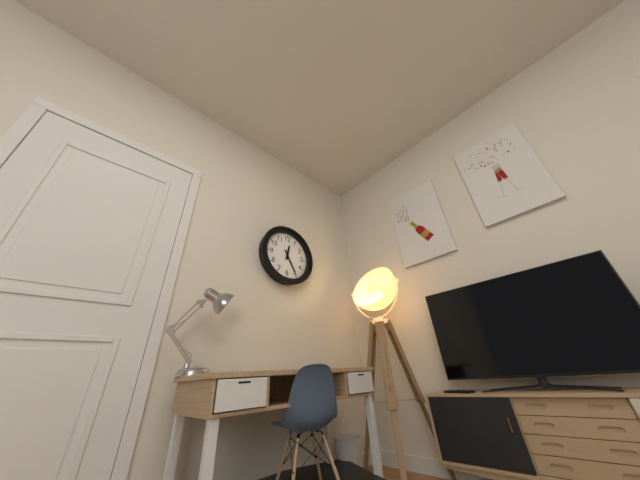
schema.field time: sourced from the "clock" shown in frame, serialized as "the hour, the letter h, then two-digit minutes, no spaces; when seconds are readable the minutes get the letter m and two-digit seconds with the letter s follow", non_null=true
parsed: 12h25
